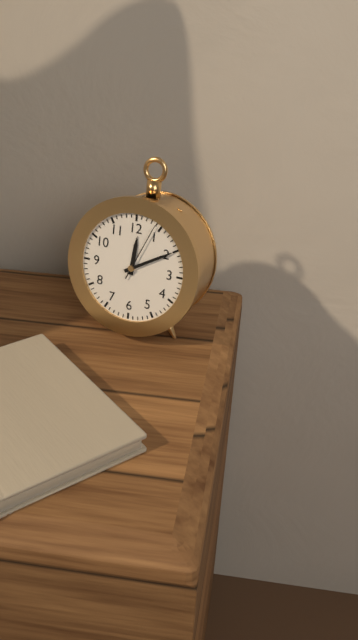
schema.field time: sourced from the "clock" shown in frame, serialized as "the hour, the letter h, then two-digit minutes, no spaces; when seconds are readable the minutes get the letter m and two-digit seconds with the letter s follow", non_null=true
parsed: 12h10m04s
